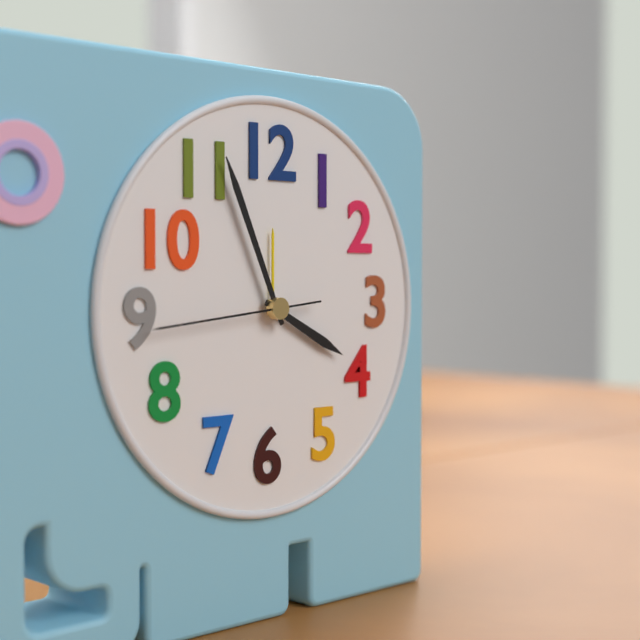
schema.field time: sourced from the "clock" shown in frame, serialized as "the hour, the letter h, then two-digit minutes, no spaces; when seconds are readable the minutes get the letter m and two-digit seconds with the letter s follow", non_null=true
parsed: 3h56m44s
